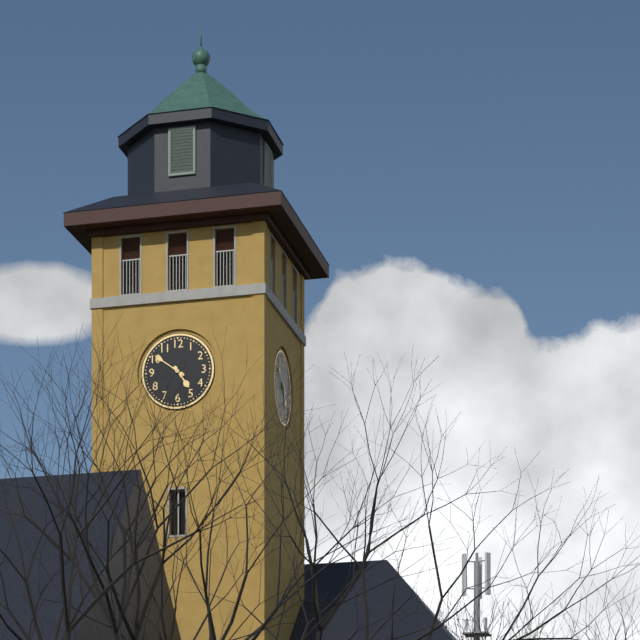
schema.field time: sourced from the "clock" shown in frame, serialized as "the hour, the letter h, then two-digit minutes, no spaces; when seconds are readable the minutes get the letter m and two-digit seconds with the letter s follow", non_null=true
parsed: 4h51
